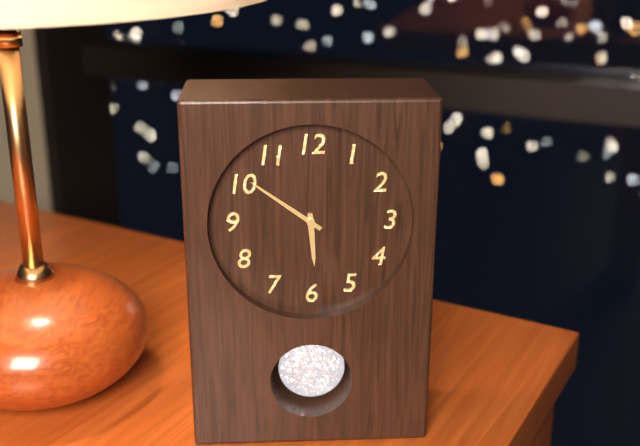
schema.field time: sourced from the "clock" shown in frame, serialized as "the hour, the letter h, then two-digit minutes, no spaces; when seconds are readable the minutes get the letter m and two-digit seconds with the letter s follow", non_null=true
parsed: 5h51
